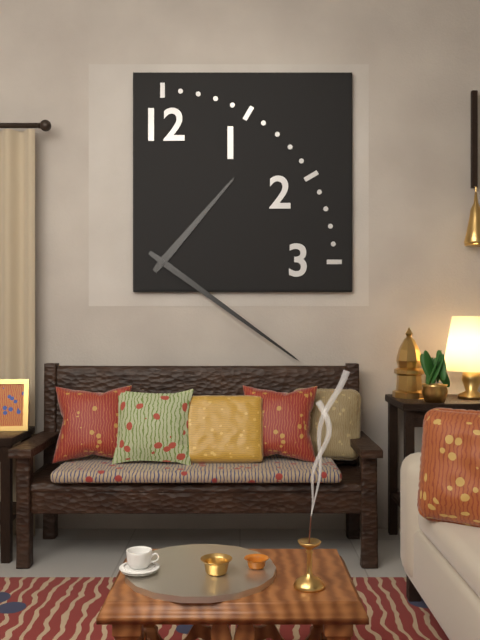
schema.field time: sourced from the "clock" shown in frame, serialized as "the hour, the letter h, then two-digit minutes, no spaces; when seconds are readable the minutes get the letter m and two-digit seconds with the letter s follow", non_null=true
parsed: 1h21
